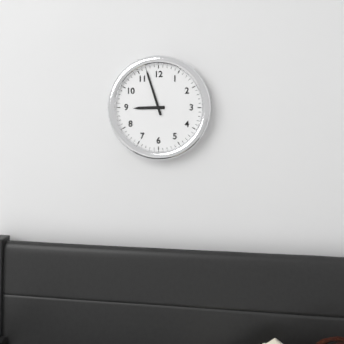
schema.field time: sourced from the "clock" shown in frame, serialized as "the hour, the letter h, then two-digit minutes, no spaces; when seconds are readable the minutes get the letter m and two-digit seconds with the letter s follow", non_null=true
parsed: 8h57
